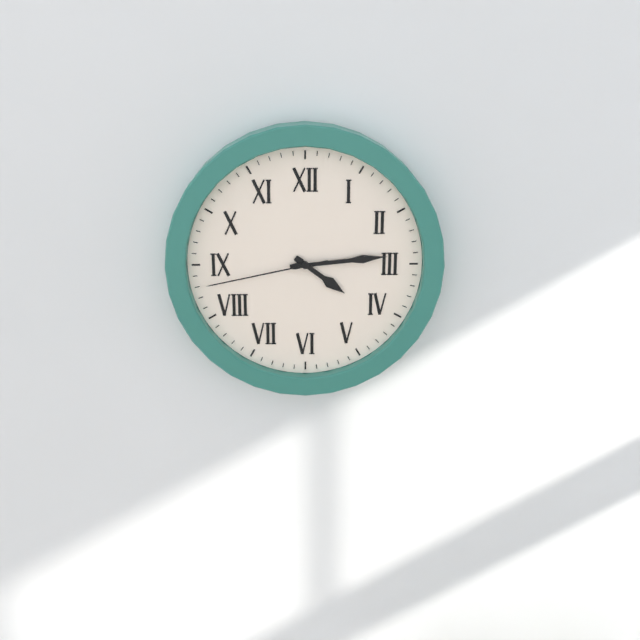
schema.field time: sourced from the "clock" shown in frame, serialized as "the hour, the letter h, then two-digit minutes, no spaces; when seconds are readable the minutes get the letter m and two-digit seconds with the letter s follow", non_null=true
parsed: 4h14m43s
